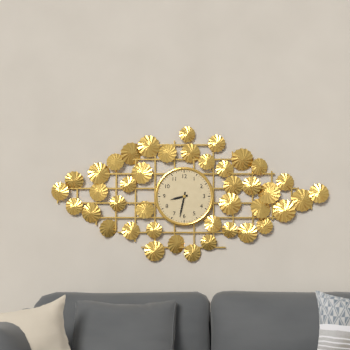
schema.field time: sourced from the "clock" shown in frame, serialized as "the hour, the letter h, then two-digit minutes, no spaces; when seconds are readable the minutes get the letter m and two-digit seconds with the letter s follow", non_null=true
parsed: 8h32
